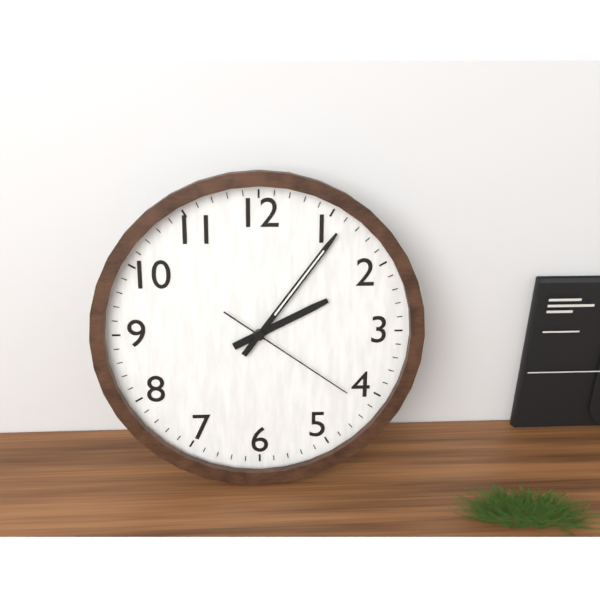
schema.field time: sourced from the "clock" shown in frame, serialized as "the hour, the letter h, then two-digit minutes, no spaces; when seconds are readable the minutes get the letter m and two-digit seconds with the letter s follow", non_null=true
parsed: 2h06m21s
